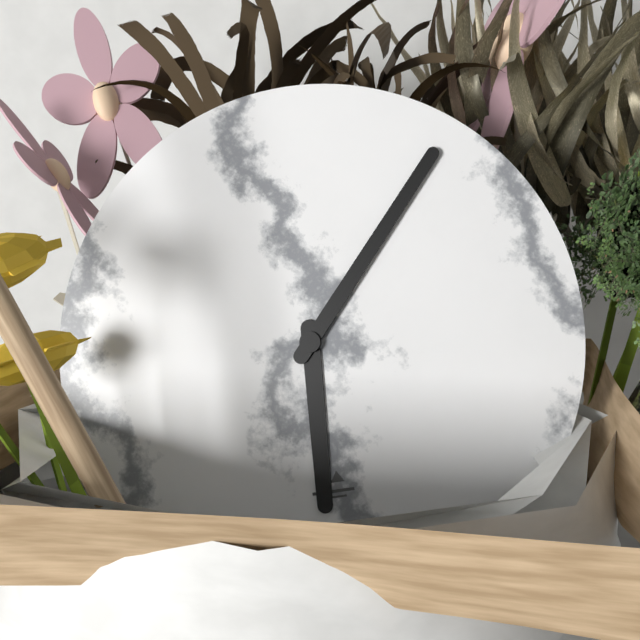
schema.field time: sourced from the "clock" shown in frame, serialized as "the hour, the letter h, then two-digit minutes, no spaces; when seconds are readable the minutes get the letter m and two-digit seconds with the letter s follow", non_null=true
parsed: 6h07
